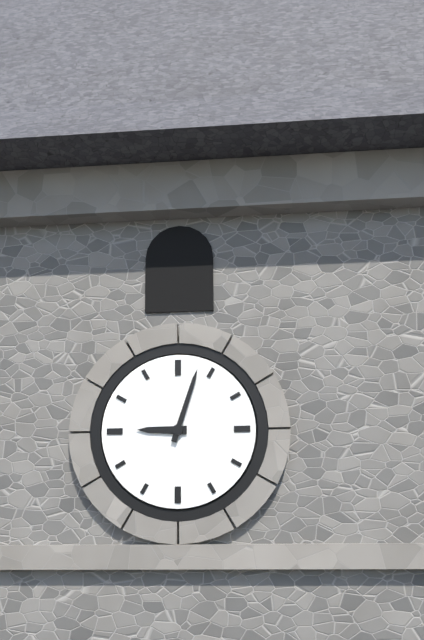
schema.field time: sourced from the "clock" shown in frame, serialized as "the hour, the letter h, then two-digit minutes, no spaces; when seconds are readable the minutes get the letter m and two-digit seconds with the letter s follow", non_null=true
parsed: 9h03
